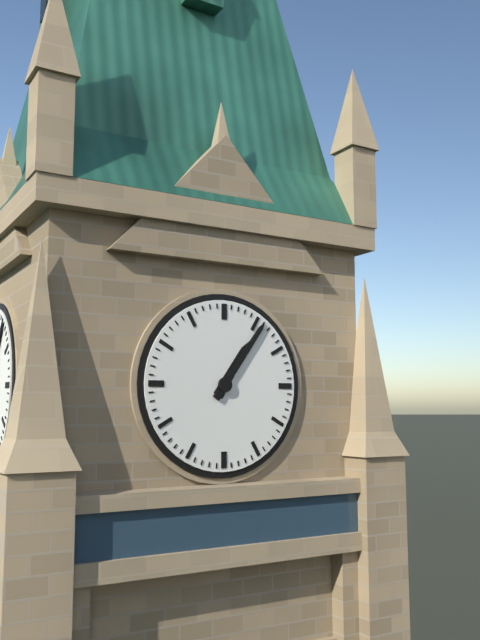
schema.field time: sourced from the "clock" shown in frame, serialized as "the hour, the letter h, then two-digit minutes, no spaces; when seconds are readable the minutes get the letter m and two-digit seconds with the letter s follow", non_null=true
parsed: 1h06
